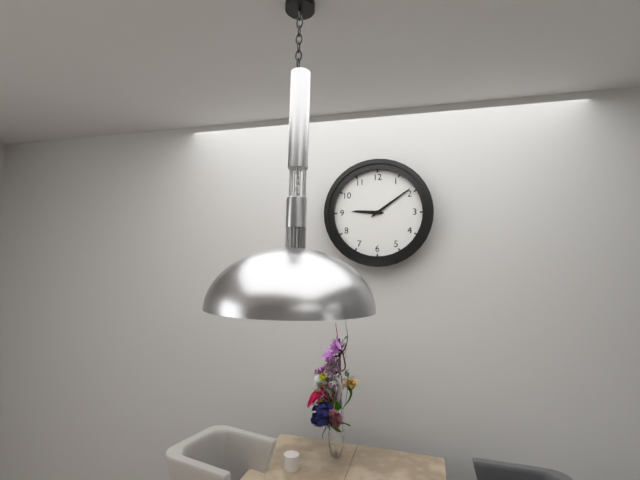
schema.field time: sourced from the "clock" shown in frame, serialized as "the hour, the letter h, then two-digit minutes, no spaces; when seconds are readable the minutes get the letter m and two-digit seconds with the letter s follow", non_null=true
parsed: 9h09
